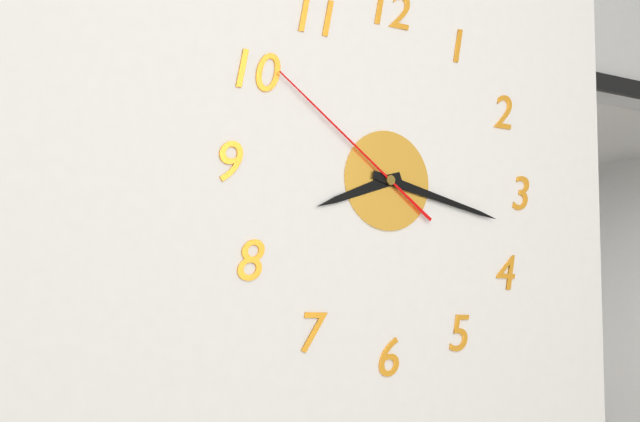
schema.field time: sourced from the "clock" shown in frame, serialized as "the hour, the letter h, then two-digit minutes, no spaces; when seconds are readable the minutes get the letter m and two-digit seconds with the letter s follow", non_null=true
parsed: 8h17m51s
